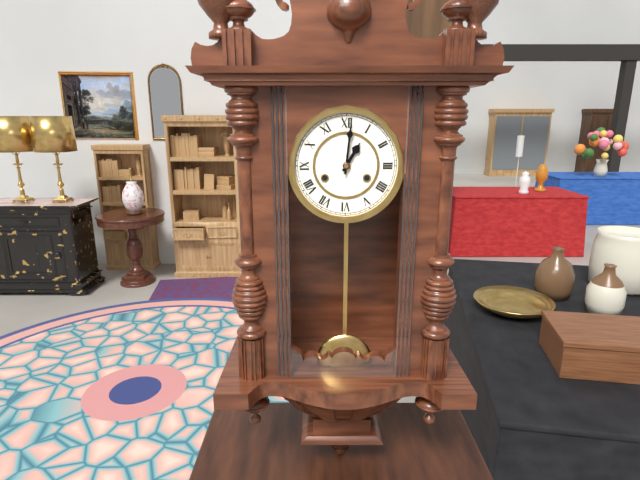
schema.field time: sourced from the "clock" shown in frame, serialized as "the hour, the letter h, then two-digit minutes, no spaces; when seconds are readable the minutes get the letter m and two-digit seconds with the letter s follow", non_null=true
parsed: 1h01
